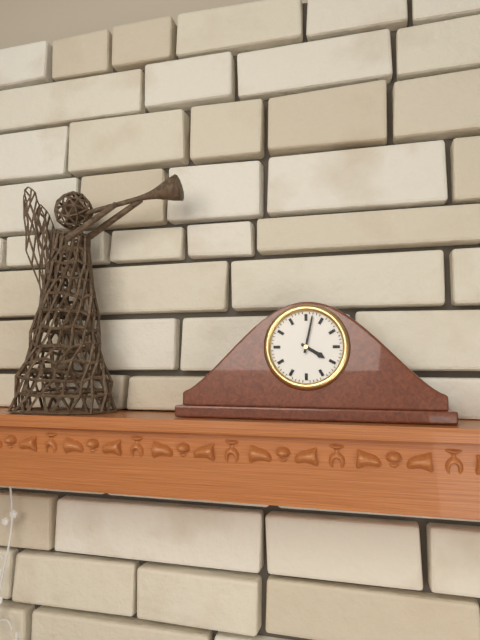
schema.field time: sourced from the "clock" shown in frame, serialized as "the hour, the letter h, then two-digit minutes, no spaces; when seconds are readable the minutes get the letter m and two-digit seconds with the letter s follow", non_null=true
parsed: 4h02
